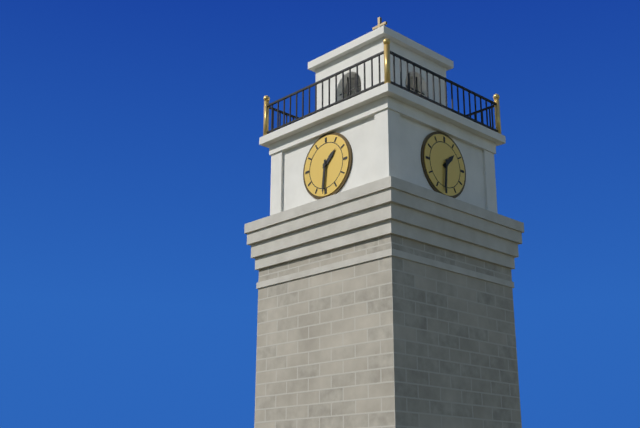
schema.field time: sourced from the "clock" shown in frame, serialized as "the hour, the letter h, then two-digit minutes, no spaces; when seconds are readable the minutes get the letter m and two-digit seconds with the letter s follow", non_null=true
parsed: 1h31
